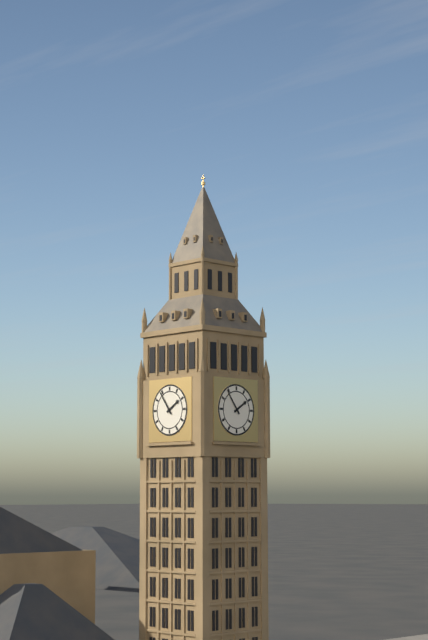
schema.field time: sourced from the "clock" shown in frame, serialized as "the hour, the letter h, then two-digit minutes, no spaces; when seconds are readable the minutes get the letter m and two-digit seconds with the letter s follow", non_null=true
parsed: 1h54
